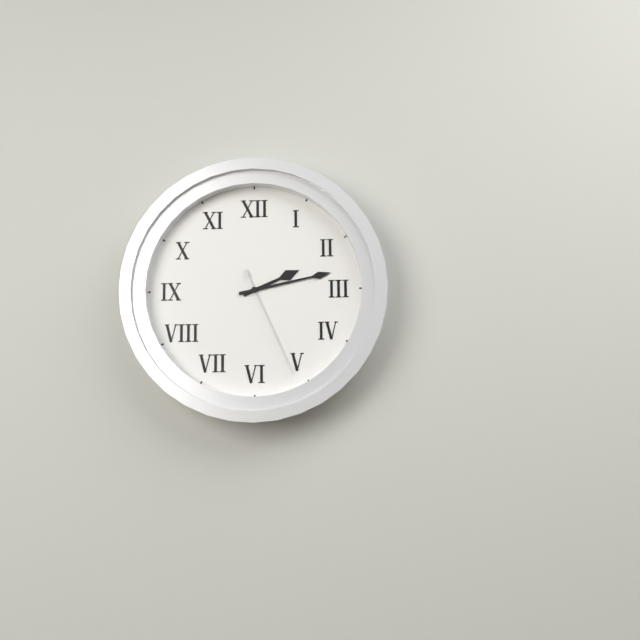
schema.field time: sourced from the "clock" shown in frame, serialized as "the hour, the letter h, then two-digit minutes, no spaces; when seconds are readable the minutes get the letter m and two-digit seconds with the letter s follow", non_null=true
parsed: 2h13m26s
